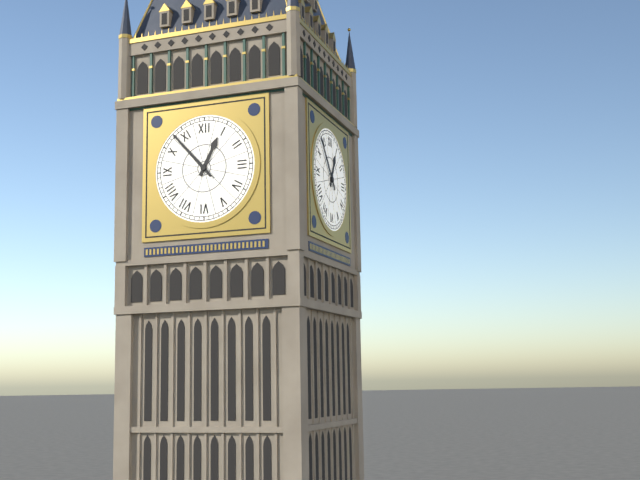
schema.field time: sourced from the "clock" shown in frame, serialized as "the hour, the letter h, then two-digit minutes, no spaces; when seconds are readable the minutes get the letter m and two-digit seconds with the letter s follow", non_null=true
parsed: 12h53
